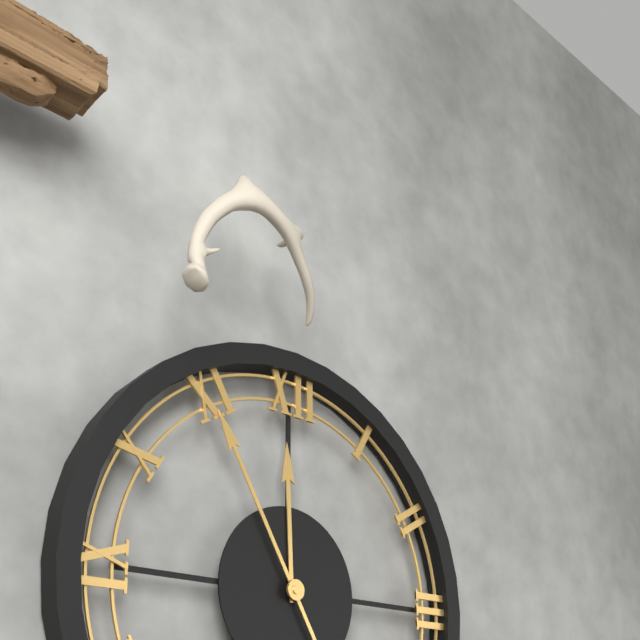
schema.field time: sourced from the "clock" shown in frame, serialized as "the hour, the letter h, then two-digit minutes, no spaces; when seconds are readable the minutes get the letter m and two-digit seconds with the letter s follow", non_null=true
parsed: 11h55
